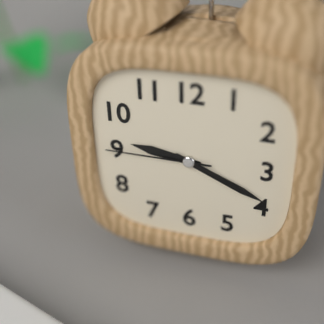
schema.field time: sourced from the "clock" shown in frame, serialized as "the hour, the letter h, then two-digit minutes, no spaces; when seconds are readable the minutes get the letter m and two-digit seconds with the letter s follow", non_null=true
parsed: 9h19m45s
